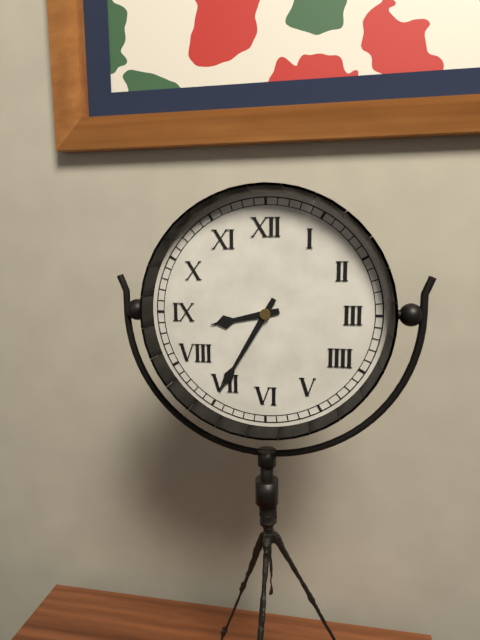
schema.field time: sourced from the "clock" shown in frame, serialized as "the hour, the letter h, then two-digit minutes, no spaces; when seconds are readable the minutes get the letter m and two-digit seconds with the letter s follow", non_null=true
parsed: 8h35
